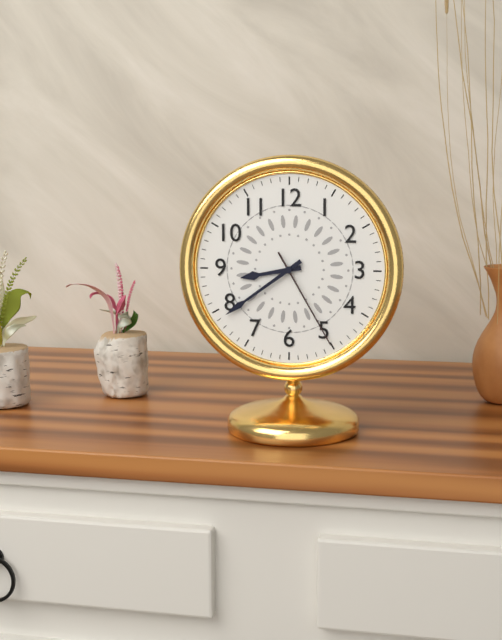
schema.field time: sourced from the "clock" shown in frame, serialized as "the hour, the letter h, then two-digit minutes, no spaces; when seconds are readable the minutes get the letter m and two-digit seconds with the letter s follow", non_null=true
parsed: 8h39m25s
